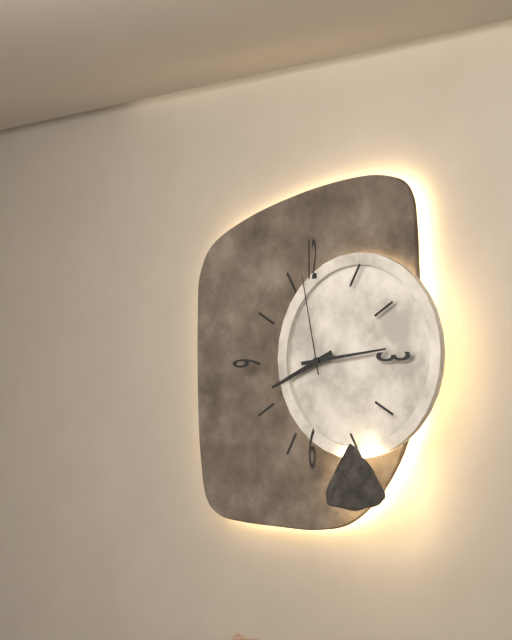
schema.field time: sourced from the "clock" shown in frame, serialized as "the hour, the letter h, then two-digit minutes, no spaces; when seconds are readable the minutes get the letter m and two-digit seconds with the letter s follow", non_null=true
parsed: 8h14m58s
